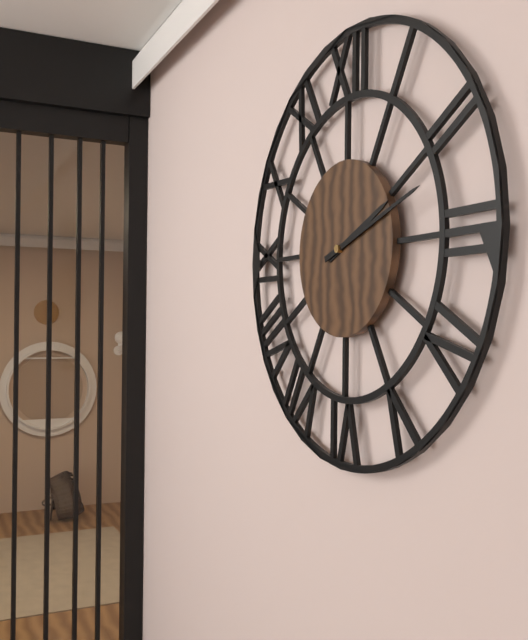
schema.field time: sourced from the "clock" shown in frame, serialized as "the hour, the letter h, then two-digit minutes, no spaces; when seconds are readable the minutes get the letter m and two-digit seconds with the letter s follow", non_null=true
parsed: 2h12
